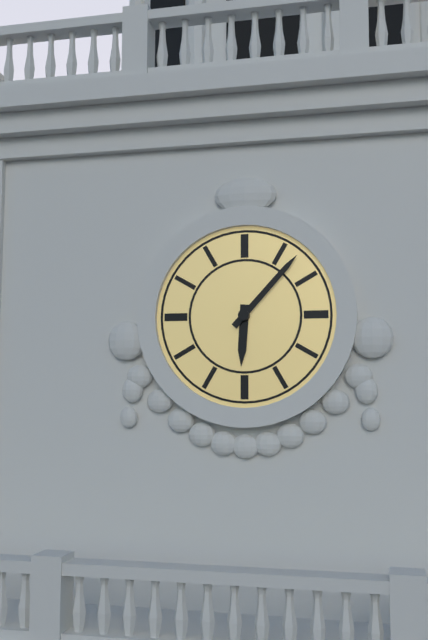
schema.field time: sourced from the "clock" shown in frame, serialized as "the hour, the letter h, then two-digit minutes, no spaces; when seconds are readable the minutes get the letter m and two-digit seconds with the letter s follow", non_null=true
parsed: 6h07
